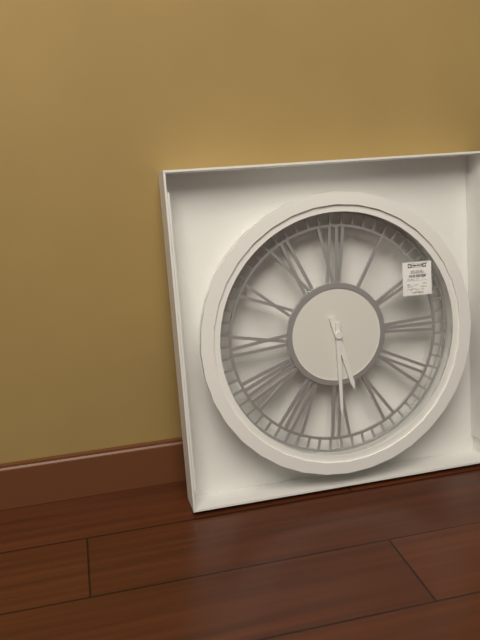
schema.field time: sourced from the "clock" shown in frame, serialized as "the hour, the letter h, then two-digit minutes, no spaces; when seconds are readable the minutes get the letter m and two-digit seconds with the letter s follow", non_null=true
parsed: 5h30
